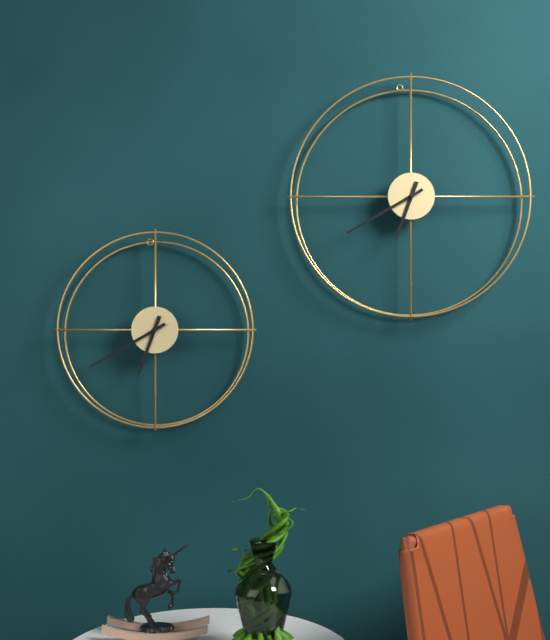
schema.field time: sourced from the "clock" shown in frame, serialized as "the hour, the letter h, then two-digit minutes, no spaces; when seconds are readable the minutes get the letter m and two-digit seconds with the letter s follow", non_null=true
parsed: 6h40
